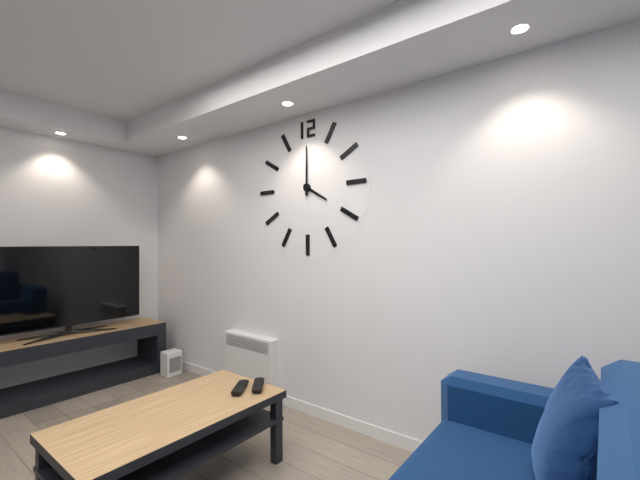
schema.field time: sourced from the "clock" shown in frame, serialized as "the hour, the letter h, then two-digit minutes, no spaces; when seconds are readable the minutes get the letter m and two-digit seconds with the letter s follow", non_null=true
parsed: 4h00
